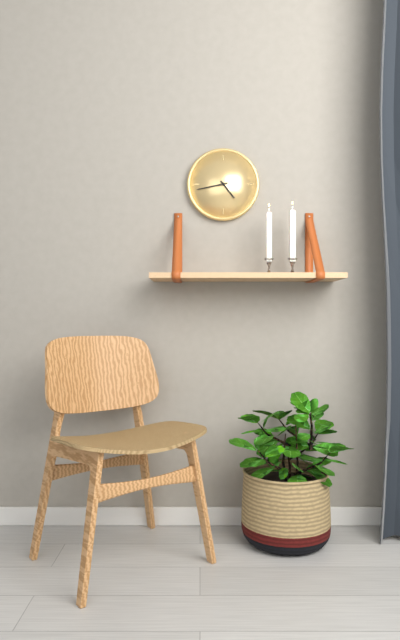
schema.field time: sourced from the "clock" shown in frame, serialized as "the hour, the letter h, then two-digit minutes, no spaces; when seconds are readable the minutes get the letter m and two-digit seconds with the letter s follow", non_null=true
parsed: 4h43
